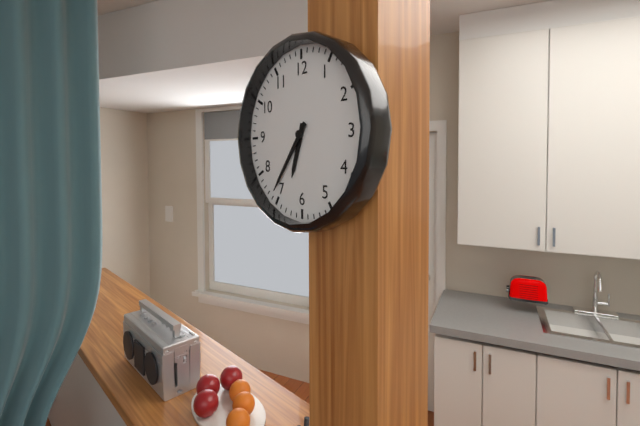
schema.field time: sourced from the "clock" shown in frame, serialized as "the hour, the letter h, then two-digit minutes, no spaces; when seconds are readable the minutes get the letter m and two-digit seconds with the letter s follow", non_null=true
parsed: 6h36
